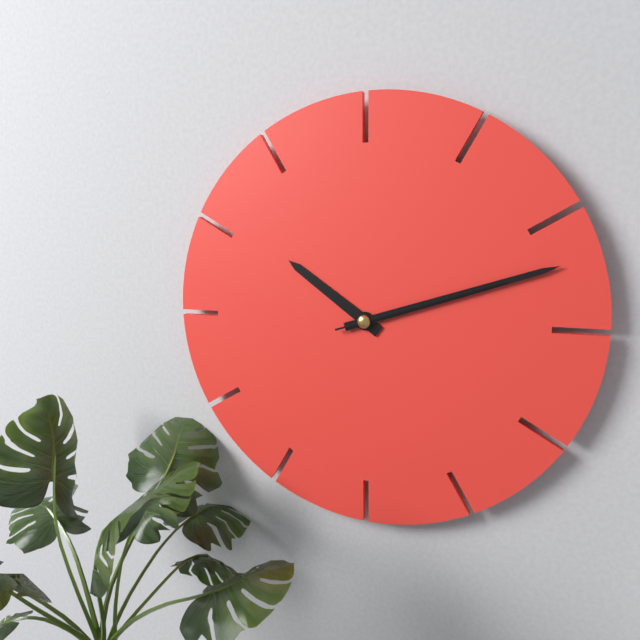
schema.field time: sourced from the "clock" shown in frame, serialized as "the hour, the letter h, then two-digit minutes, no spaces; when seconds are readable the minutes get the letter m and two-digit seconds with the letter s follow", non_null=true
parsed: 10h12m12s
